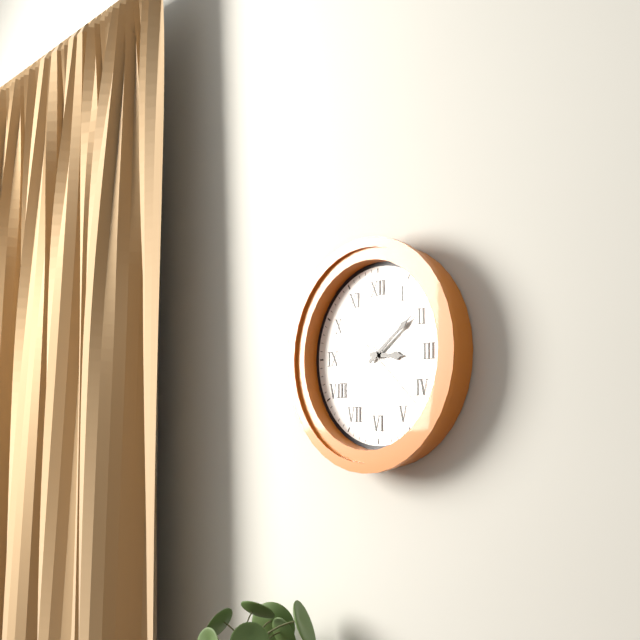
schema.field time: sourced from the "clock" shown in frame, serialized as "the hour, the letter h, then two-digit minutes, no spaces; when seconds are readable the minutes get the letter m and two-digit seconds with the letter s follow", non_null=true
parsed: 3h09m22s
